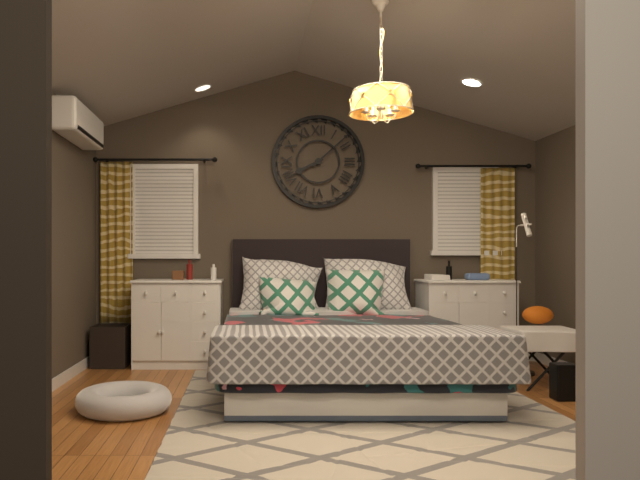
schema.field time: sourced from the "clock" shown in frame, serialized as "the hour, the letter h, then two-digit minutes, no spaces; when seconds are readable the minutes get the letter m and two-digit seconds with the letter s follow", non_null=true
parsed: 8h08
